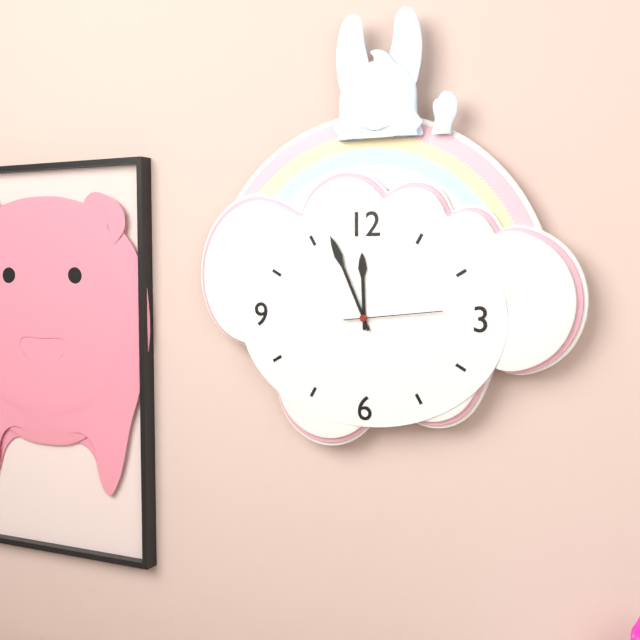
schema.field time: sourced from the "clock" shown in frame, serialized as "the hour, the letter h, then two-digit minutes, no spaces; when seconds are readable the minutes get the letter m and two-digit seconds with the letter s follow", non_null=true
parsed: 11h56m14s
